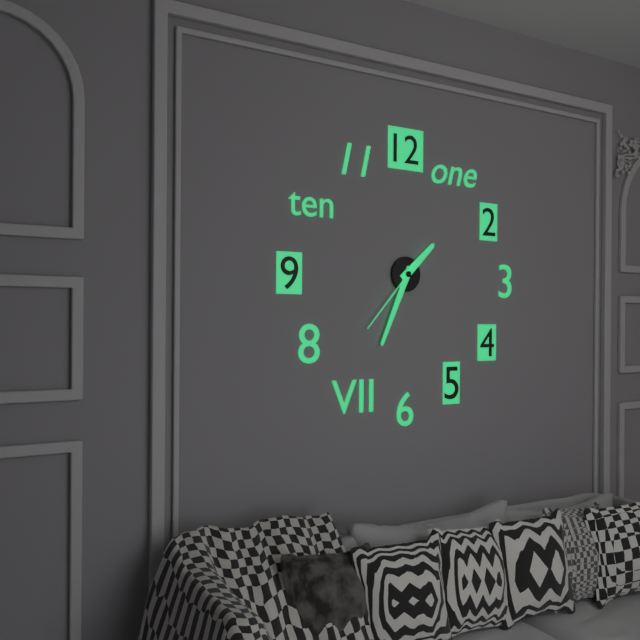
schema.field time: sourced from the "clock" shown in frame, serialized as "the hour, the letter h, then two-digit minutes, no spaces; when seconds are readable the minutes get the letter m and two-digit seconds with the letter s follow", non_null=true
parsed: 1h34m37s
